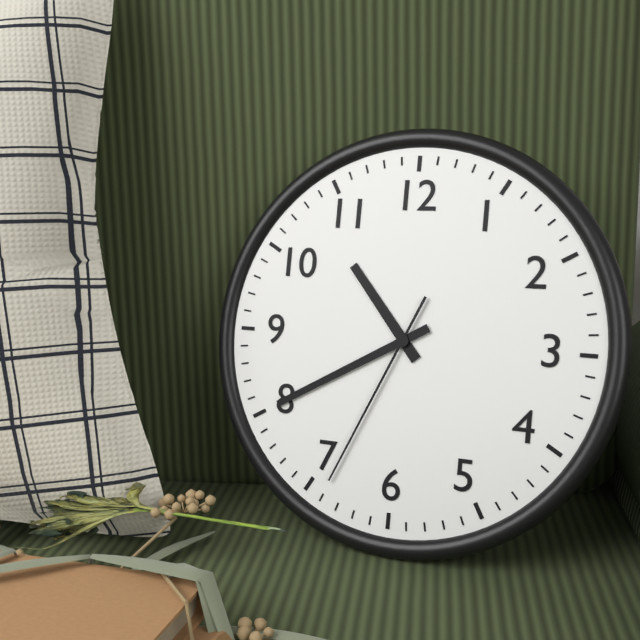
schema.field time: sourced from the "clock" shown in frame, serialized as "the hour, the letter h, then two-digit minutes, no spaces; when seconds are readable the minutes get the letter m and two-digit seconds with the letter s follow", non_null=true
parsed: 10h40m34s
